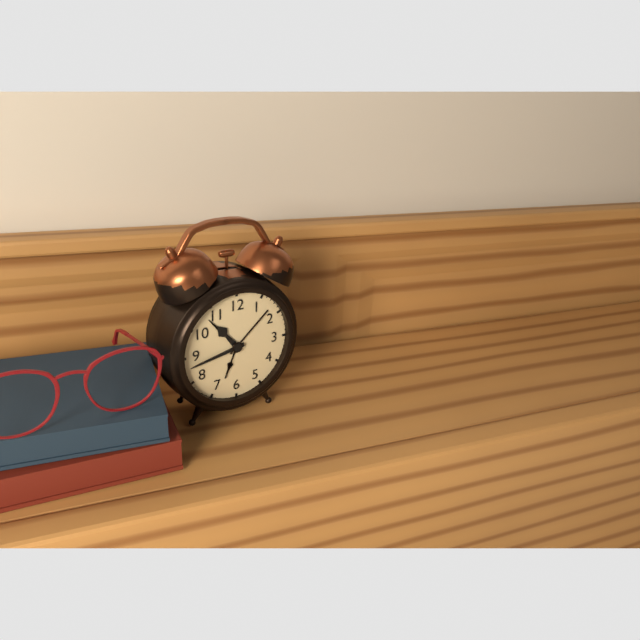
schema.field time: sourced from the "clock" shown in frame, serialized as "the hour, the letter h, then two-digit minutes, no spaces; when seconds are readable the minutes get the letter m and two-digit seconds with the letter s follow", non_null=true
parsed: 10h43
